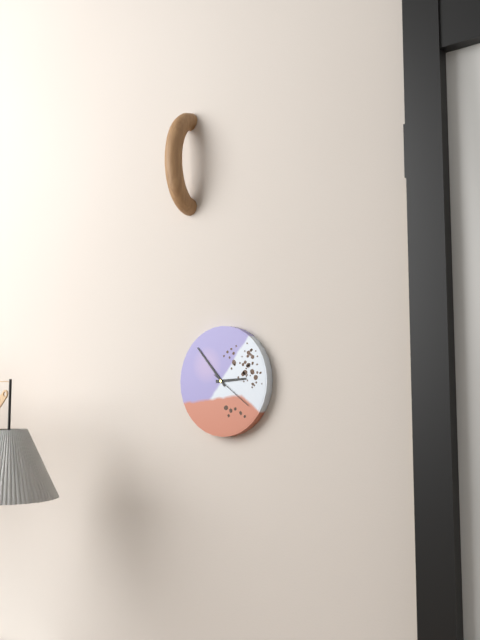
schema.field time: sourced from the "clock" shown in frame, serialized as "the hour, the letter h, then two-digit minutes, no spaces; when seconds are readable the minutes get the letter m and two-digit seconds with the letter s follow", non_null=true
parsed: 2h53
